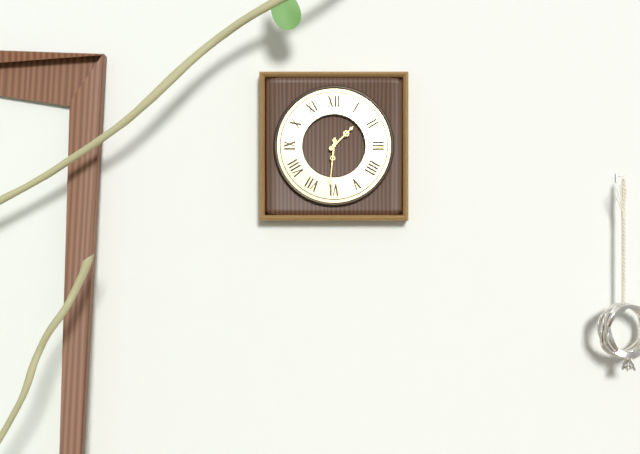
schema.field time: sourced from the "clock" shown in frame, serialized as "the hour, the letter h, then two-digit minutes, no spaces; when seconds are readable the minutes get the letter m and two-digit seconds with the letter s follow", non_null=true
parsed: 1h31
